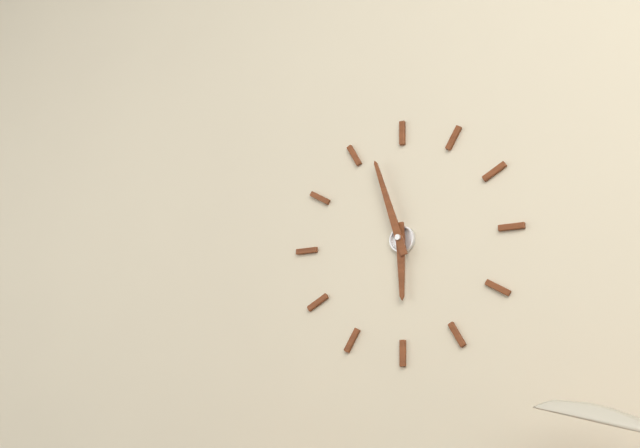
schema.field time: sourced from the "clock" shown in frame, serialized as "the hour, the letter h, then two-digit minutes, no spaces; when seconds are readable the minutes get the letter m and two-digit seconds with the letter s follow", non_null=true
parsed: 5h57
